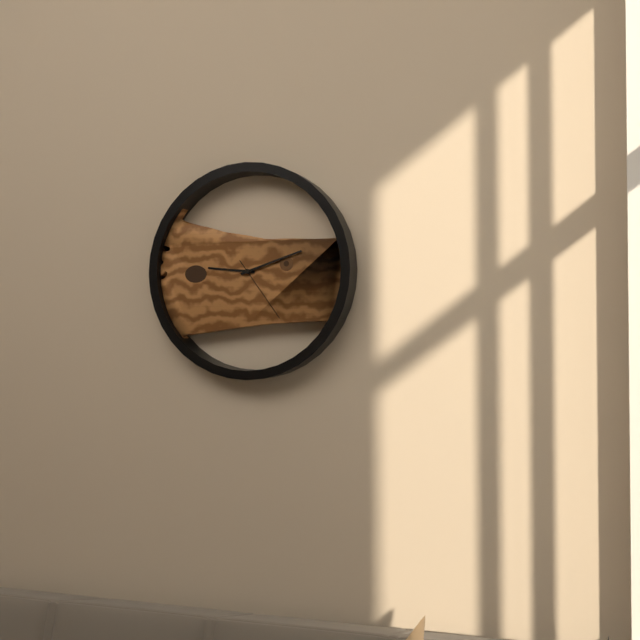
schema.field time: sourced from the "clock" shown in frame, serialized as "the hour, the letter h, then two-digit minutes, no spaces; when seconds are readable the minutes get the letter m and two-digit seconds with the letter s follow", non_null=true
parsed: 9h12m24s
